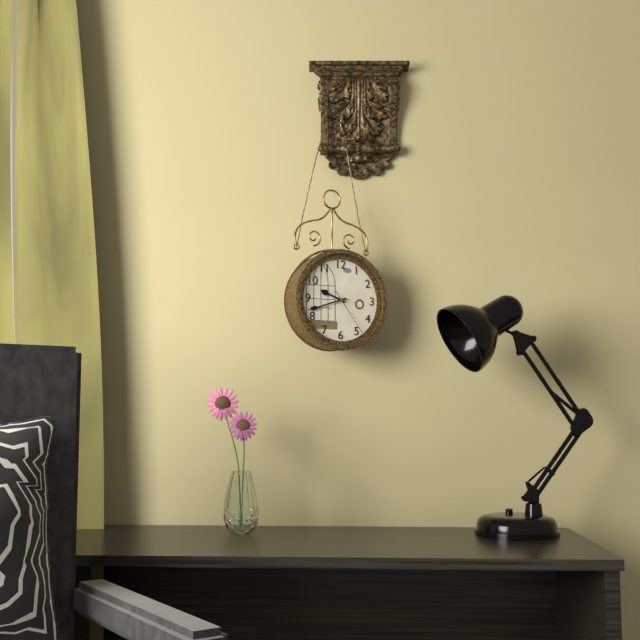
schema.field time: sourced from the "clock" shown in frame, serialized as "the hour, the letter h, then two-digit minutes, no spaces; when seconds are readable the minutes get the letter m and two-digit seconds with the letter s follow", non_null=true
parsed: 9h42m24s
